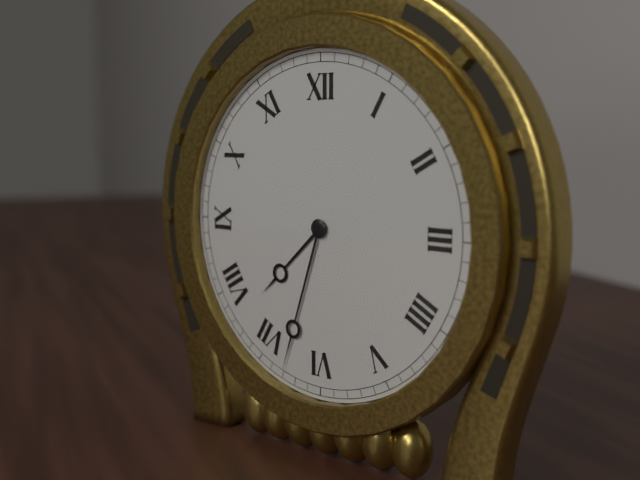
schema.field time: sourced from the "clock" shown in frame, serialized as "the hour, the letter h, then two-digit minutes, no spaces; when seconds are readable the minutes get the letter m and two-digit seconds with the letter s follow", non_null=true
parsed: 7h33
